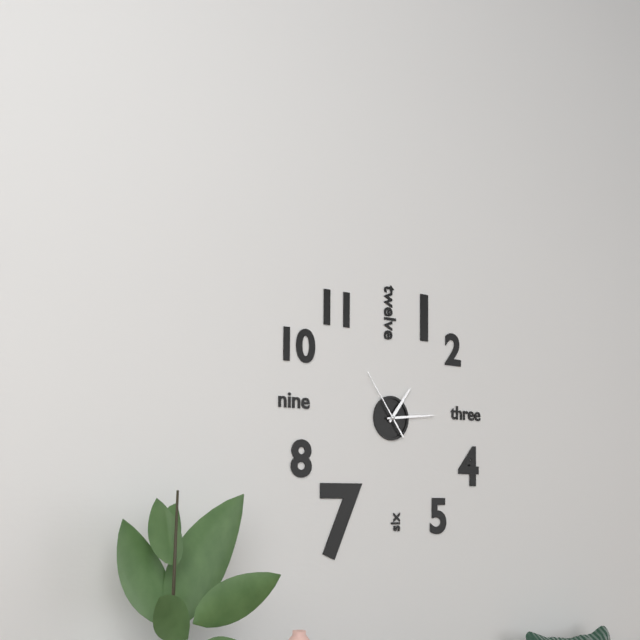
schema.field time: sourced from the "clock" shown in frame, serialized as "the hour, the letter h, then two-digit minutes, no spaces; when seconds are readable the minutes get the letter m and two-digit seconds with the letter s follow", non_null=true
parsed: 1h14m54s
